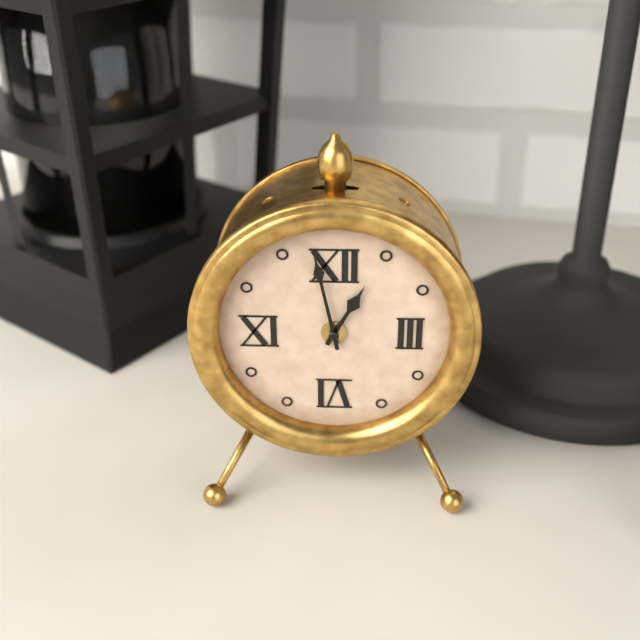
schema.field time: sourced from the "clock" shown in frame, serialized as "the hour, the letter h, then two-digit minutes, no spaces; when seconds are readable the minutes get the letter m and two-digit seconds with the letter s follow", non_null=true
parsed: 12h58
